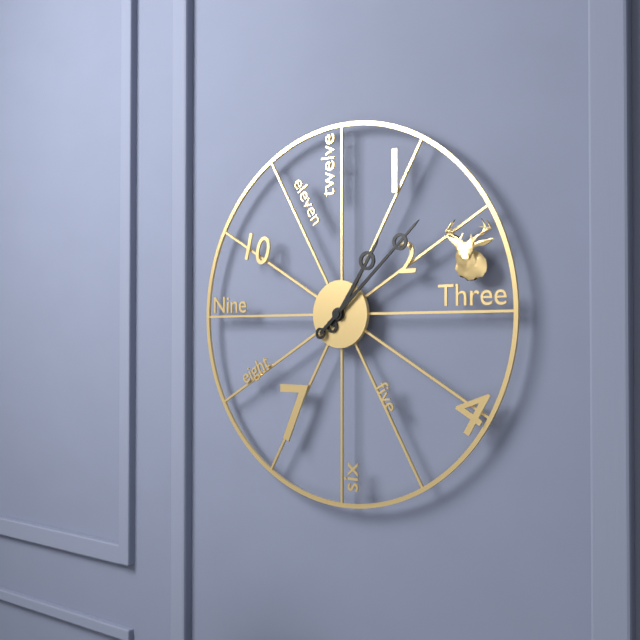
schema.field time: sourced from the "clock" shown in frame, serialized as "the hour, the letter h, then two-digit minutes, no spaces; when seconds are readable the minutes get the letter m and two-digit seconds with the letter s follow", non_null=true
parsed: 1h08
